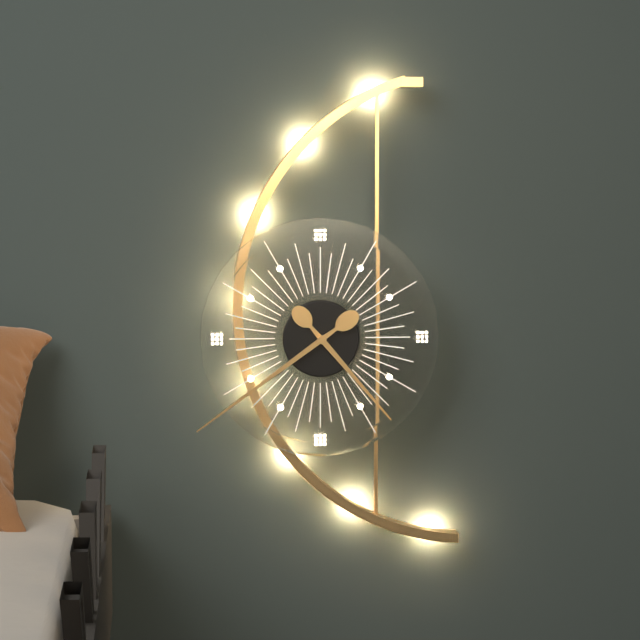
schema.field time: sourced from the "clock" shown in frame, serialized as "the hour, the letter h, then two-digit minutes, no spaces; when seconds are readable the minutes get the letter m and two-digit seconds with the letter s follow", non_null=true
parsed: 4h39
